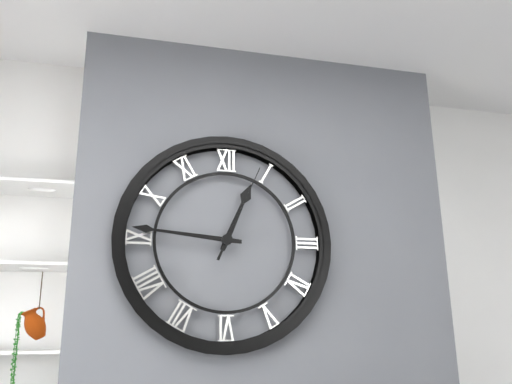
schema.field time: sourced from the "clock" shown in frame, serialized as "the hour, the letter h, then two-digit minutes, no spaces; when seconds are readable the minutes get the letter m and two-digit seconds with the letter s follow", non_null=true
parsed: 12h46m04s
